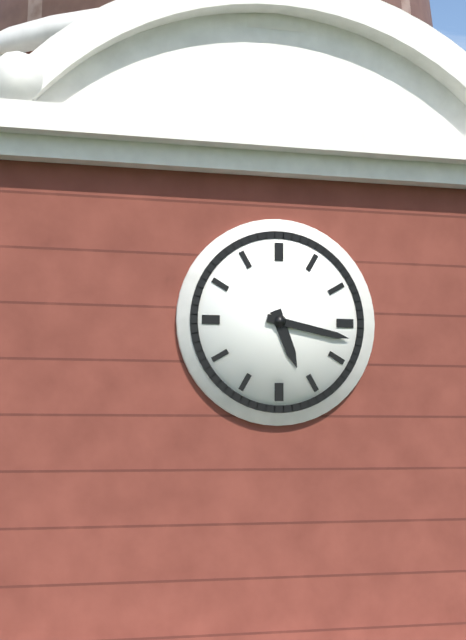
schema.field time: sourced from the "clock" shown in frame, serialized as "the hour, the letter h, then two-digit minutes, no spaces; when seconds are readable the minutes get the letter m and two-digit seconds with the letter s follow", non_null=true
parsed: 5h17
